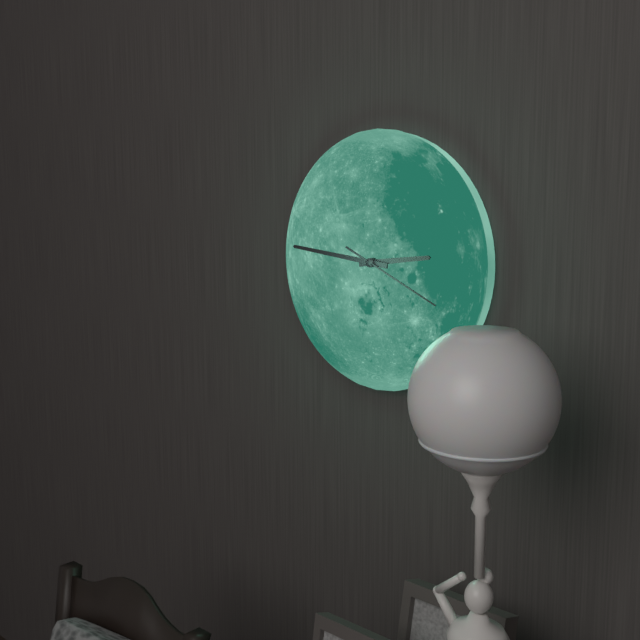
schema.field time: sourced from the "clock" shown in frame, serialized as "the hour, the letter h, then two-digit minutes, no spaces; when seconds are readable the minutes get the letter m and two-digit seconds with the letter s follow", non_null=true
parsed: 2h46m19s
